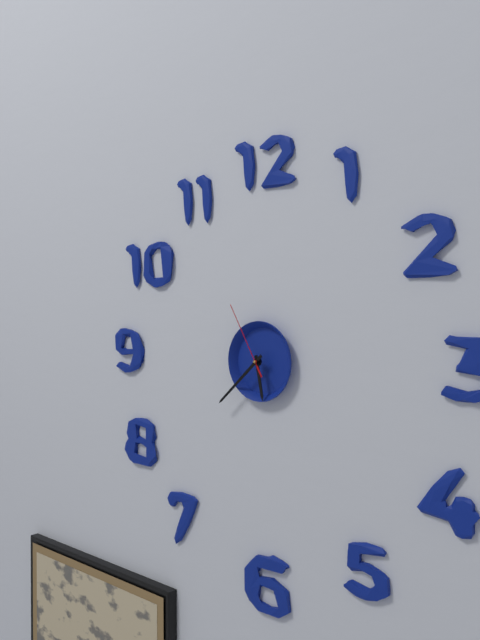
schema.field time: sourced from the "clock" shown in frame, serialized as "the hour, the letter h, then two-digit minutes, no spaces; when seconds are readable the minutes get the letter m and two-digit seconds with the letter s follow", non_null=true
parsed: 5h38m55s
